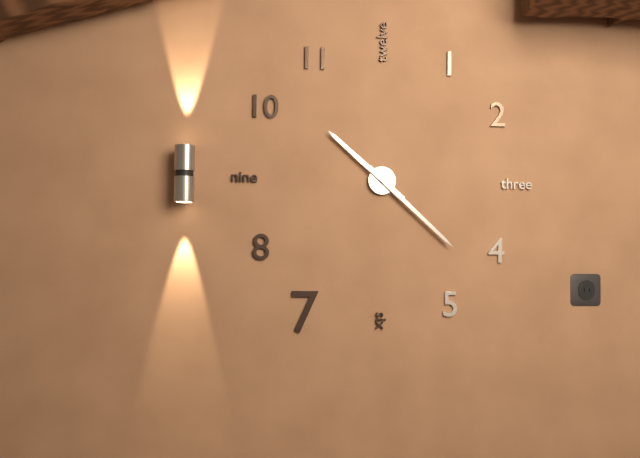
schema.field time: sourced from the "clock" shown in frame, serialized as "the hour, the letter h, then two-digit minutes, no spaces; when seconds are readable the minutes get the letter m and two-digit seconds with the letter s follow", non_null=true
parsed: 10h22
